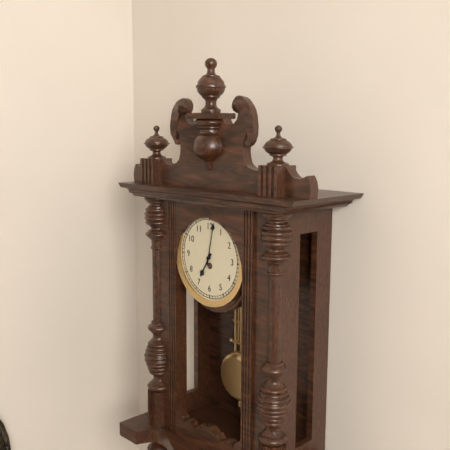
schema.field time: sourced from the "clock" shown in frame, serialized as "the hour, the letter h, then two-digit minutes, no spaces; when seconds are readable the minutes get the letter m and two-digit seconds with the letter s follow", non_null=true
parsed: 7h02
